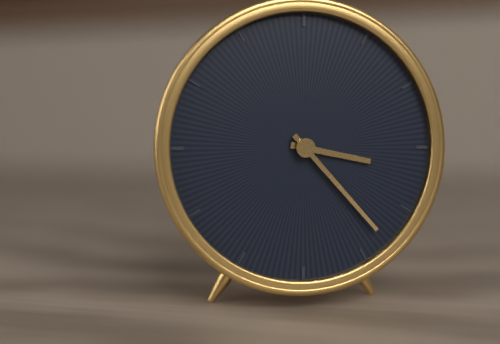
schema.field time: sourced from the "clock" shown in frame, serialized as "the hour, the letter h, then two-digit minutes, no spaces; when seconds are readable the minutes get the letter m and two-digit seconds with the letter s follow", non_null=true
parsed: 3h23
